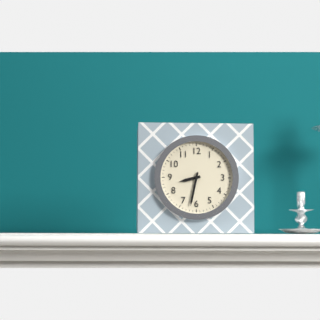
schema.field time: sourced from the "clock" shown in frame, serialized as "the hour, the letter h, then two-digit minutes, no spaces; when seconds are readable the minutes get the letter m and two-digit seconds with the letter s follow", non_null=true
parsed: 8h32
